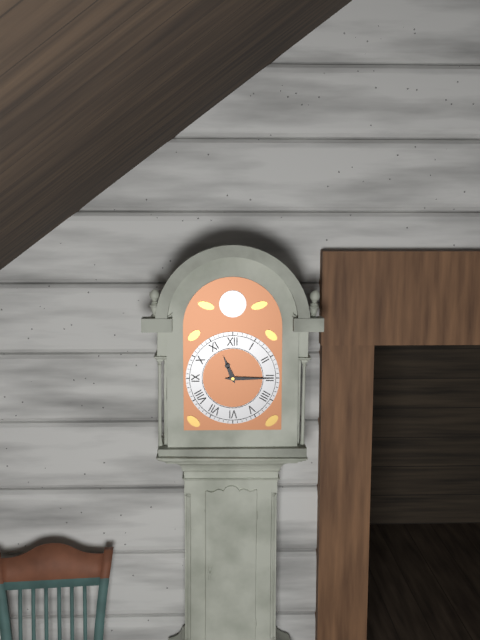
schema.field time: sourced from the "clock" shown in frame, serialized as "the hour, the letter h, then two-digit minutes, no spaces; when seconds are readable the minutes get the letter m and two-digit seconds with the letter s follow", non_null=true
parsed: 11h15
